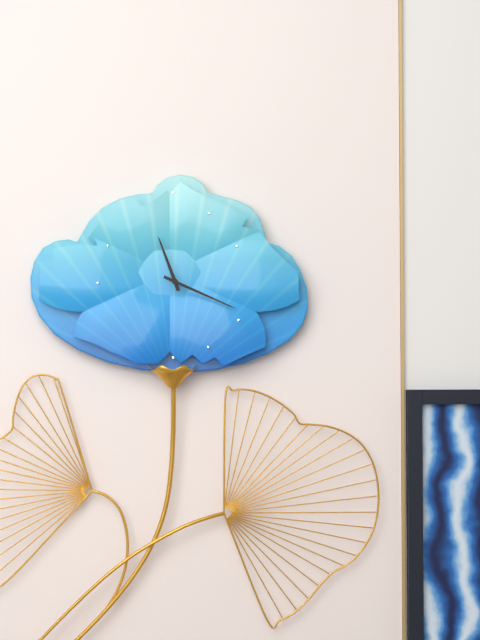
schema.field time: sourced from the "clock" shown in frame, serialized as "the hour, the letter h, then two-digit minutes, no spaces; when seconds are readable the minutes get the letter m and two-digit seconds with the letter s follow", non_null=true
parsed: 11h19
